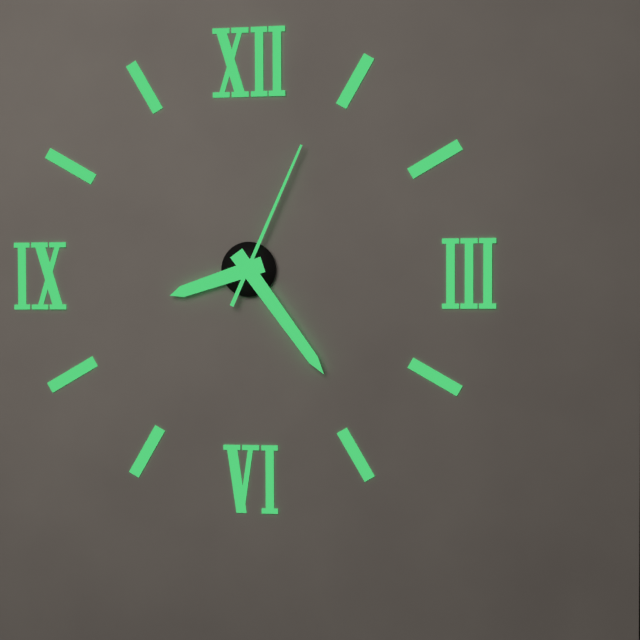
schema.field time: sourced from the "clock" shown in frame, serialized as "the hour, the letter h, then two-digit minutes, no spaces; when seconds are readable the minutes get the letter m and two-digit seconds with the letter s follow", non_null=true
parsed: 8h24m04s
